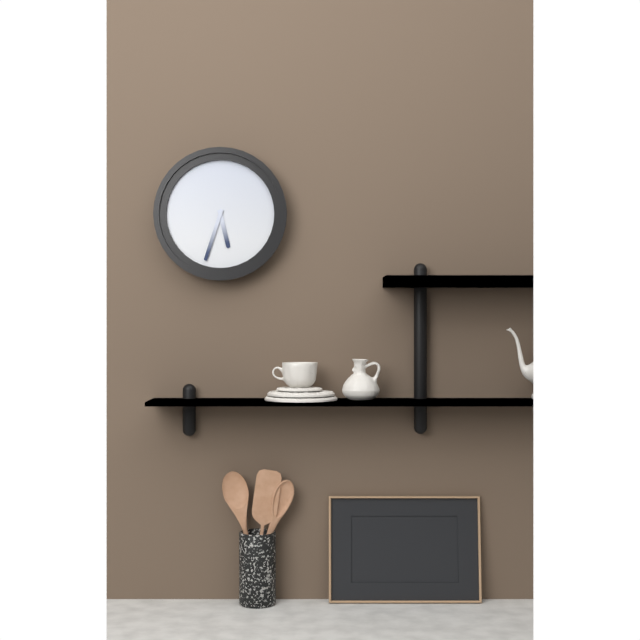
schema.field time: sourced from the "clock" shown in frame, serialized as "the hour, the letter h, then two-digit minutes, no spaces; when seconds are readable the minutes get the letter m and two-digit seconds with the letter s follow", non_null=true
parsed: 5h33
